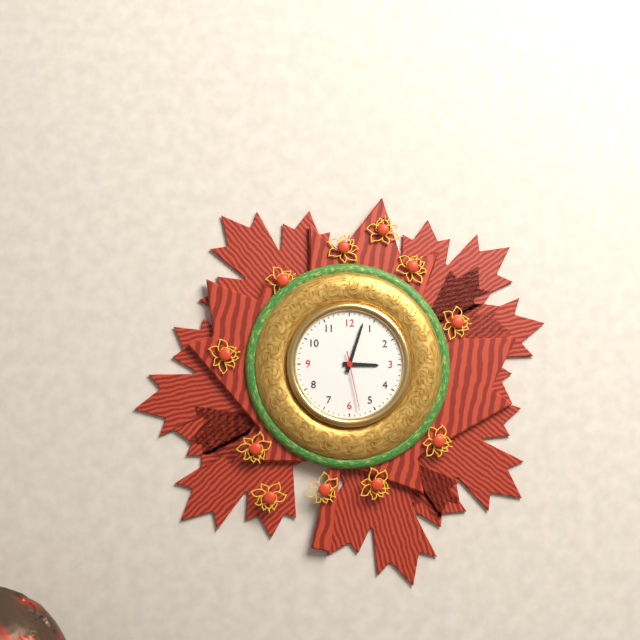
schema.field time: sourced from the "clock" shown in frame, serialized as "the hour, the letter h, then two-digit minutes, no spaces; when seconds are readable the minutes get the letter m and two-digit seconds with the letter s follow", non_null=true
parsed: 3h03m28s
